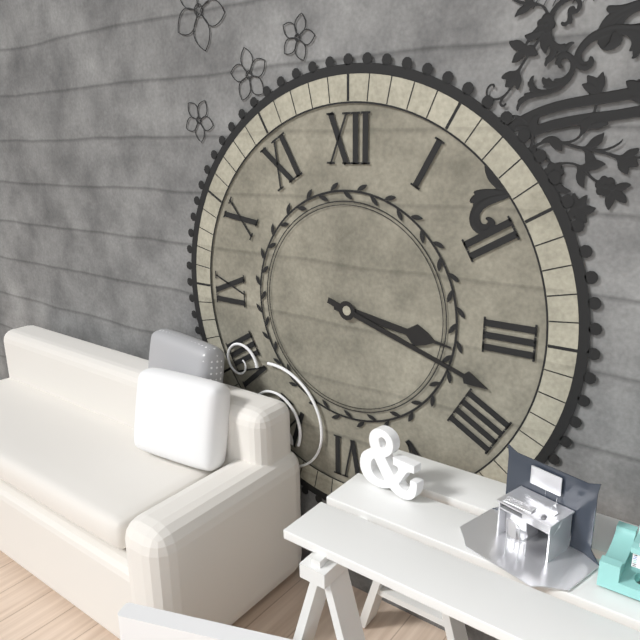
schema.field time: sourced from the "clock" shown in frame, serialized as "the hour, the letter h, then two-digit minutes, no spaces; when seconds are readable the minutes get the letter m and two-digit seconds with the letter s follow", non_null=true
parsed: 3h18
